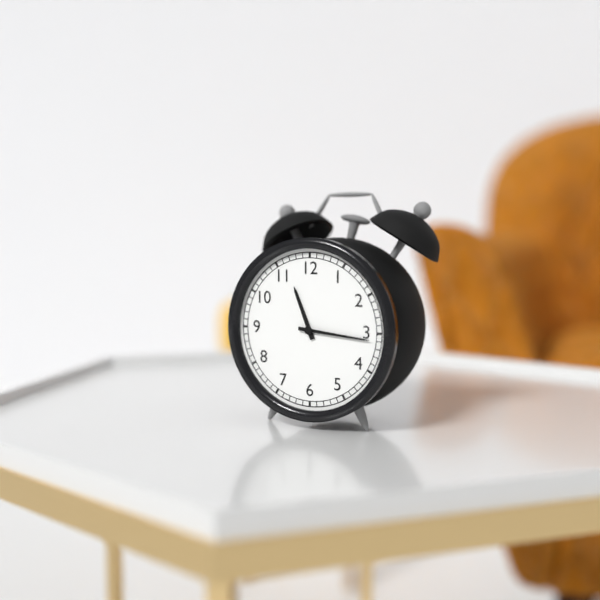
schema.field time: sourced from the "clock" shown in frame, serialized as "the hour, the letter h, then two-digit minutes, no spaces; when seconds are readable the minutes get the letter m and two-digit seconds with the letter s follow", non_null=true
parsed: 11h16
